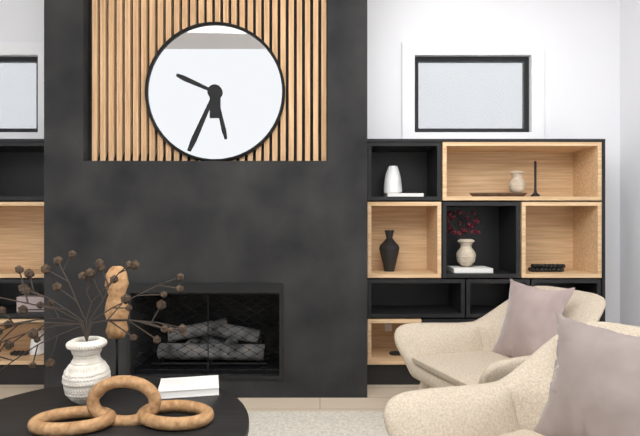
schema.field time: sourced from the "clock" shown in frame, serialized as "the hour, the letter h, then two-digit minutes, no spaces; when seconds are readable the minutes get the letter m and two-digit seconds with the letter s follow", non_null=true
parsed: 5h34m49s
